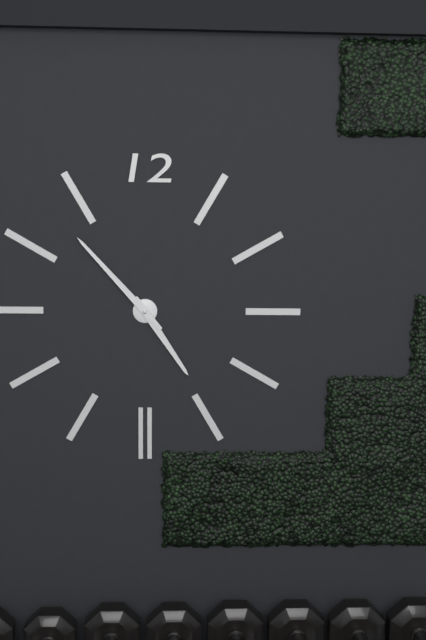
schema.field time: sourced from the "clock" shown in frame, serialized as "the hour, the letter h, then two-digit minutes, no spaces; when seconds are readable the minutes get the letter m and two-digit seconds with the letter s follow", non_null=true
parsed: 4h53
